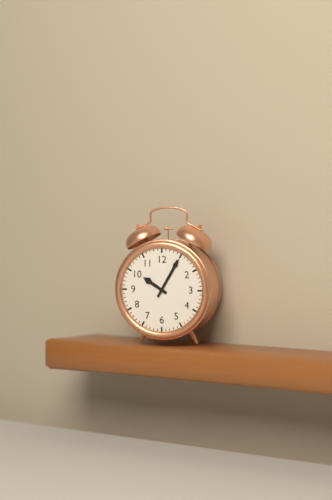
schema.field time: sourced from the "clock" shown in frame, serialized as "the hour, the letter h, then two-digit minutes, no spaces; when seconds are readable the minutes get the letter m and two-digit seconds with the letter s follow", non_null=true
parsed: 10h05
